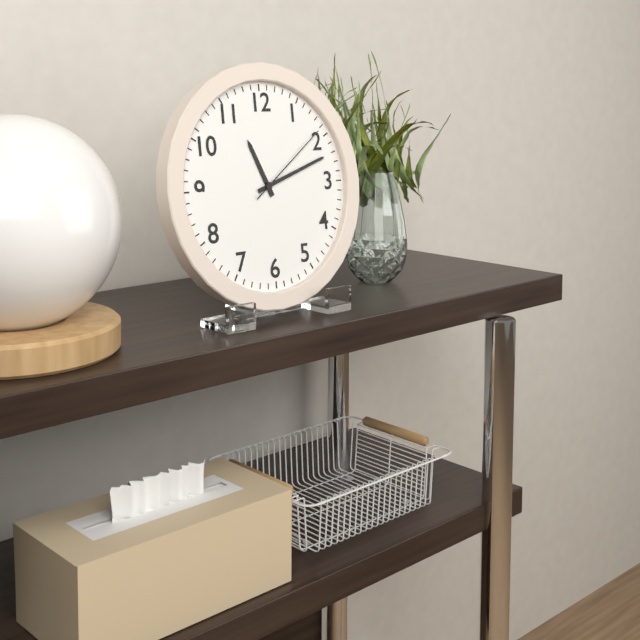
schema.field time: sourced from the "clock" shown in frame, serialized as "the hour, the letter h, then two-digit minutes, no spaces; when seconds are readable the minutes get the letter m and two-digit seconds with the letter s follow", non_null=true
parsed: 11h12m09s
